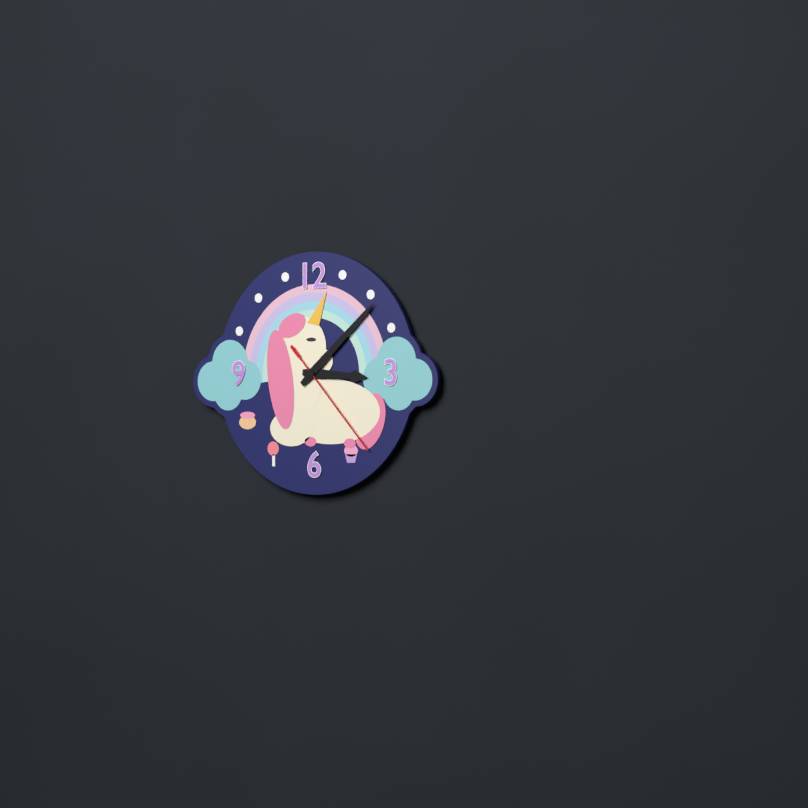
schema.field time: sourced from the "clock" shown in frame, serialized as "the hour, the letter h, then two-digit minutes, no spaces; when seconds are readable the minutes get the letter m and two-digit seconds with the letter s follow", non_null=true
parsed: 3h08m23s
